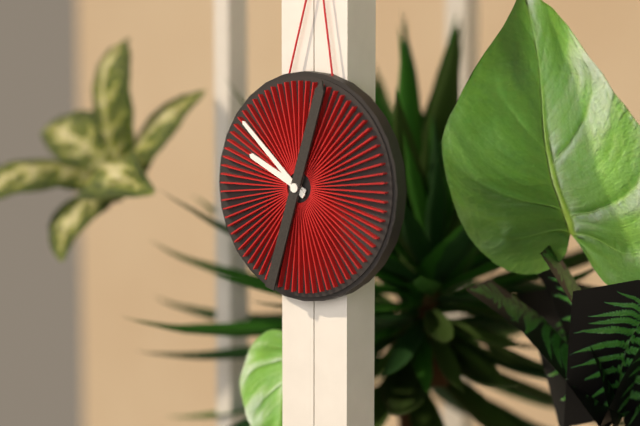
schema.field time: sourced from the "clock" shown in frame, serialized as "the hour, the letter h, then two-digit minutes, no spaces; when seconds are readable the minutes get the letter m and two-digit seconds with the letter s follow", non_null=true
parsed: 9h52m03s
